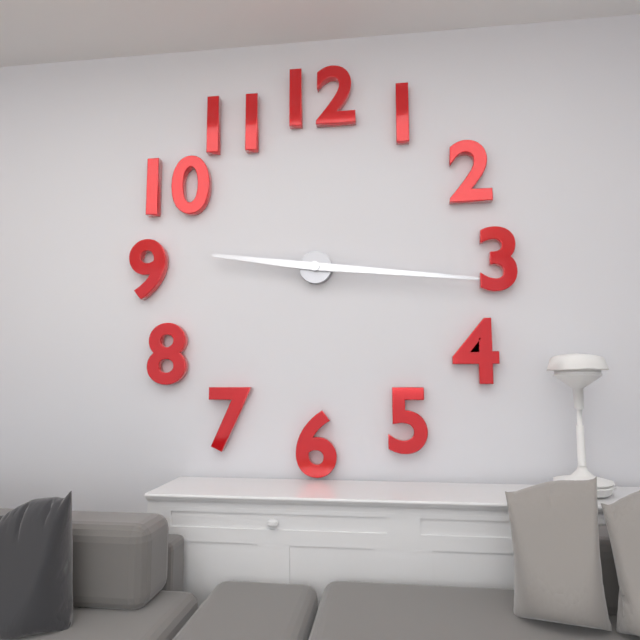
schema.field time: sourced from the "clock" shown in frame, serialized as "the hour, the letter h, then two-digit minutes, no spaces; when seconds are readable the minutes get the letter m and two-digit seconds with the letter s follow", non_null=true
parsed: 9h16
